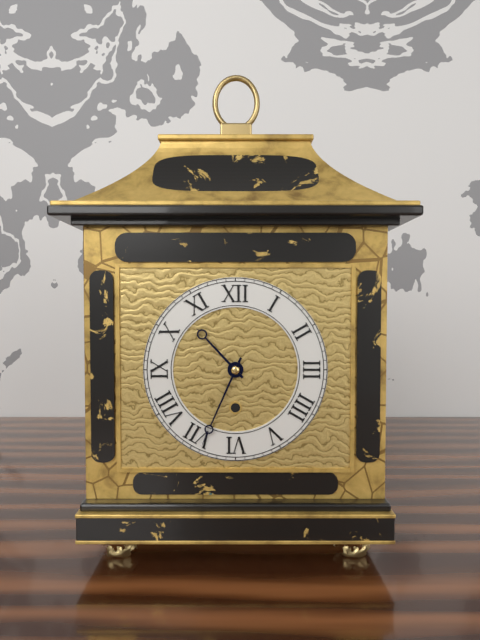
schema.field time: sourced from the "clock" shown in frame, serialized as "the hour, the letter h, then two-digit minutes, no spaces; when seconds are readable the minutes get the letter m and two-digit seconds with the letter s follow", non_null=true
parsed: 10h34
